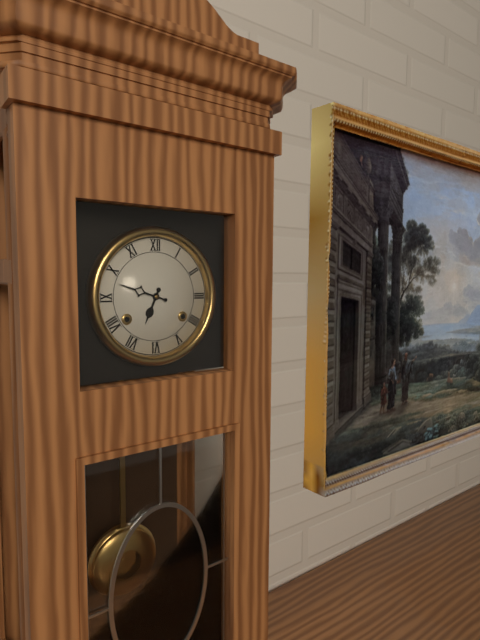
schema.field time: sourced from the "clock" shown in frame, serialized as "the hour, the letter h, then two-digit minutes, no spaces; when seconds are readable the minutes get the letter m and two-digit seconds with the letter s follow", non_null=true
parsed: 6h48
